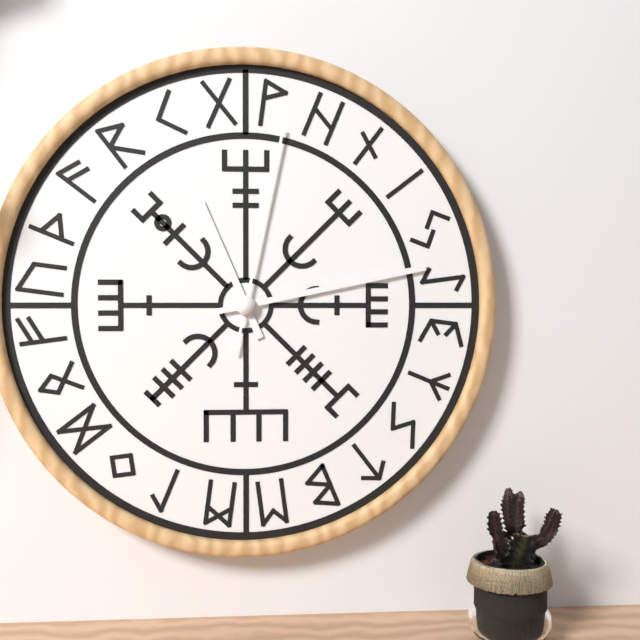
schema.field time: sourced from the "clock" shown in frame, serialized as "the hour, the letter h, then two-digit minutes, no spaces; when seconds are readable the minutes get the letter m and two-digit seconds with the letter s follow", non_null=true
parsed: 11h13m02s
